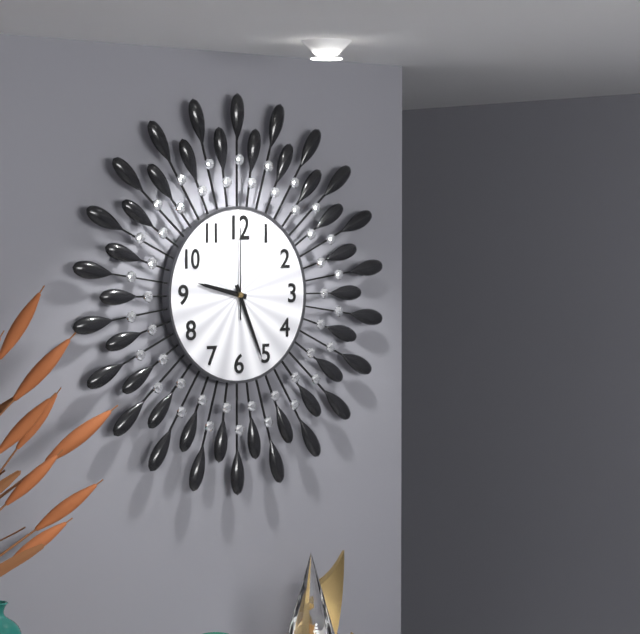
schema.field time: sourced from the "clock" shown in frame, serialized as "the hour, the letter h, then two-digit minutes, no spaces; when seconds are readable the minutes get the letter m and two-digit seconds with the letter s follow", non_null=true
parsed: 9h26m00s
